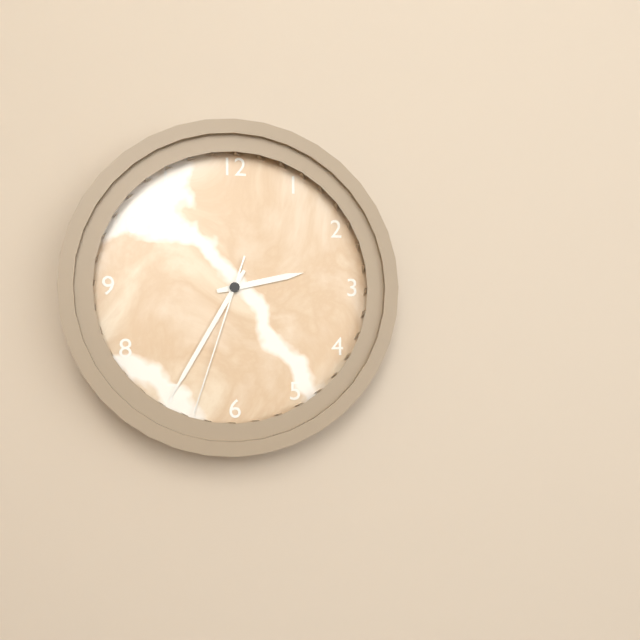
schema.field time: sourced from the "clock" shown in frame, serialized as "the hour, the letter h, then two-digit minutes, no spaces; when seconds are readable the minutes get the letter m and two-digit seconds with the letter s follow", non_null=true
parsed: 2h35m33s
